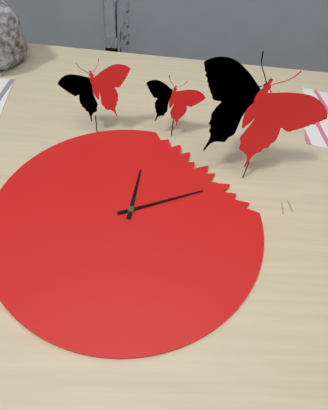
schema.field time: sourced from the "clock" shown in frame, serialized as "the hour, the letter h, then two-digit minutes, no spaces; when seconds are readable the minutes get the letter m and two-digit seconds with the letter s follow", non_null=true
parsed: 12h11
